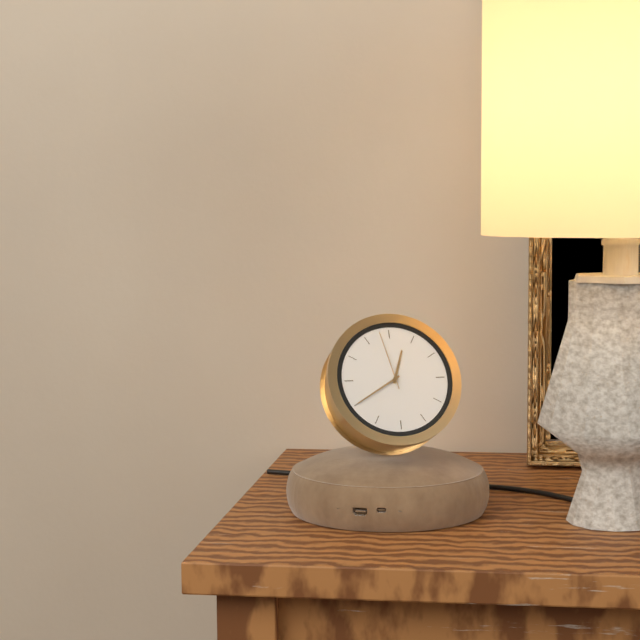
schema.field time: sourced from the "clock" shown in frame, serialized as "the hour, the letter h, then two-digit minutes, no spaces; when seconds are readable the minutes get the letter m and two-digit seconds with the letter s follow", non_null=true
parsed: 12h40m58s
